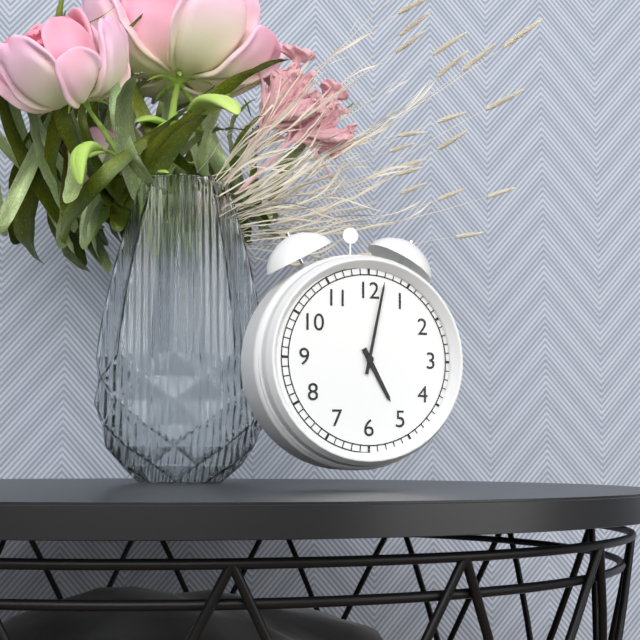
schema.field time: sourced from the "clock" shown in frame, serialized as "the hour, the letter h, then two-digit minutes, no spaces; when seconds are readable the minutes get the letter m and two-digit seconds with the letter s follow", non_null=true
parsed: 5h02
